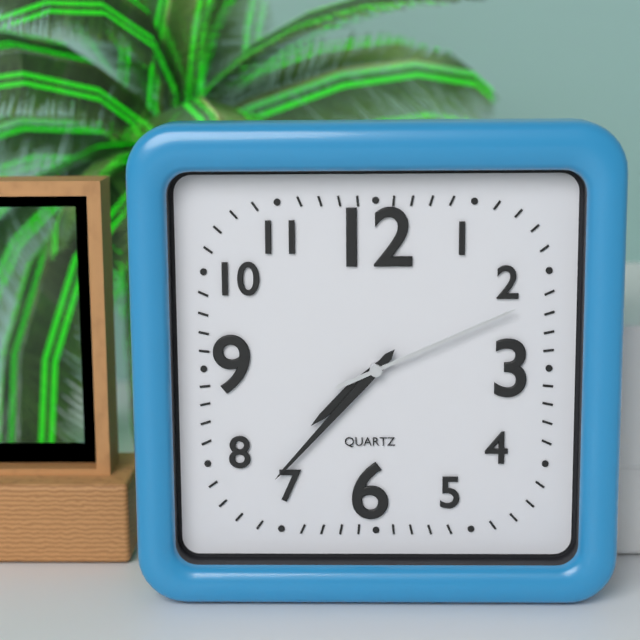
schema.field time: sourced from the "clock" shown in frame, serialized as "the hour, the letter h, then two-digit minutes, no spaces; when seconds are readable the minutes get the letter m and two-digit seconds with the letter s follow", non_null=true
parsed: 7h37m11s
